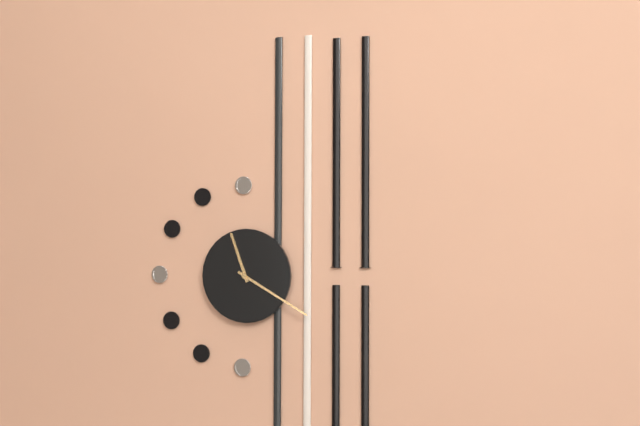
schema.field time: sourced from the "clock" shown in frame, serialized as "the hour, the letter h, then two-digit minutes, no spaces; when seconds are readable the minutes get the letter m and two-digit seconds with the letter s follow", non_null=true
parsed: 11h20
